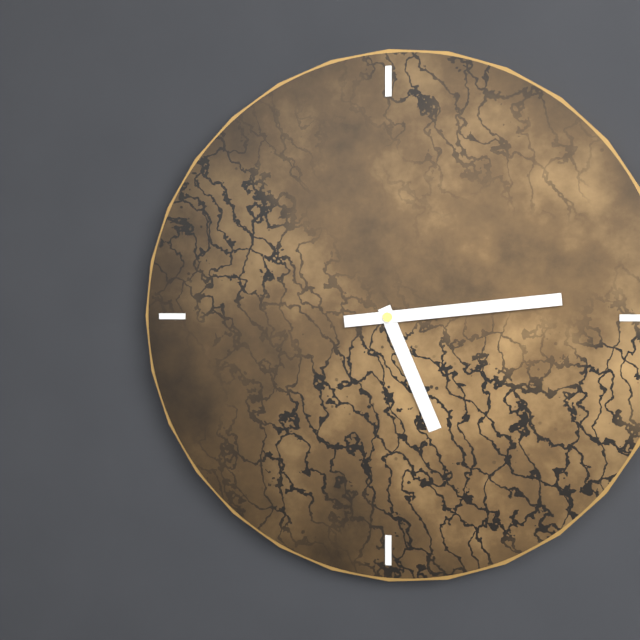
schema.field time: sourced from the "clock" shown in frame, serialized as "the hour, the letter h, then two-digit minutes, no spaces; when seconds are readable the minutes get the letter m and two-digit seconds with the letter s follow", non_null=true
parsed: 5h14
